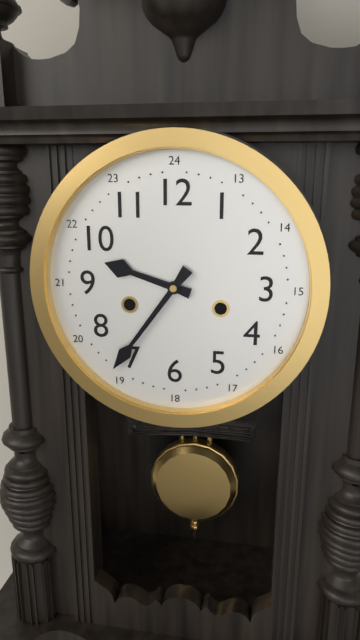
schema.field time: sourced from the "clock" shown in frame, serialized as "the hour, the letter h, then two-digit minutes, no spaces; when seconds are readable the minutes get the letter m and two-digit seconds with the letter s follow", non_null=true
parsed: 9h36
